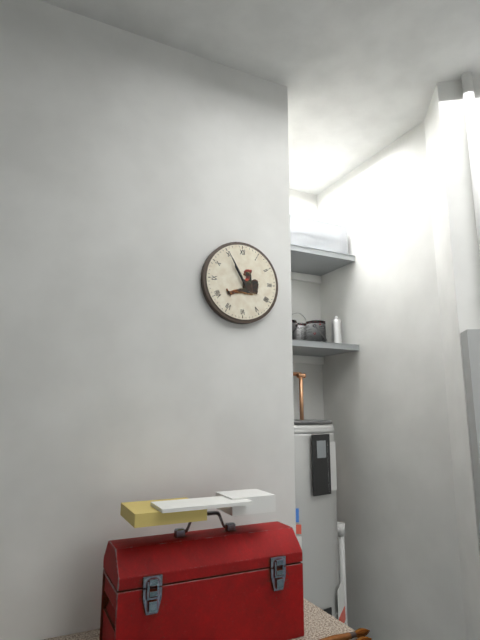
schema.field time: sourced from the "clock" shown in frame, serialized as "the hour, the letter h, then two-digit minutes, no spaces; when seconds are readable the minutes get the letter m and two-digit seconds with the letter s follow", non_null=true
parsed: 10h55
